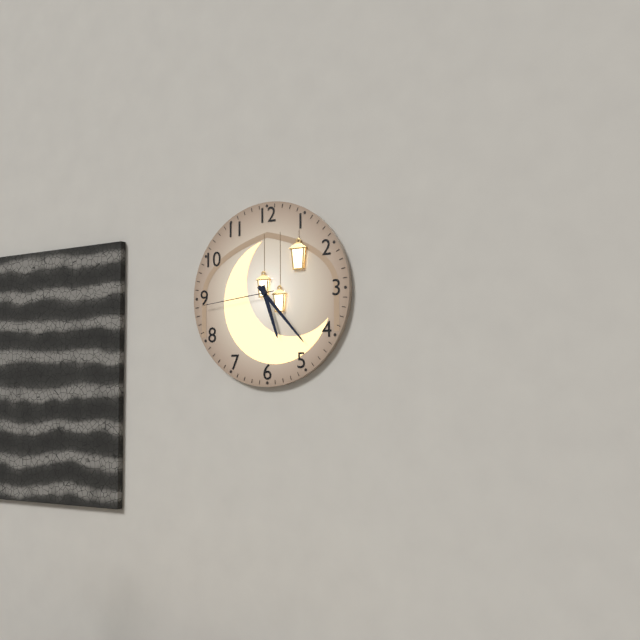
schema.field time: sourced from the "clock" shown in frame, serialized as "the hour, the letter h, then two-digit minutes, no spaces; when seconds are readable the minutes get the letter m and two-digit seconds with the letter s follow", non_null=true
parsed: 5h23m44s
